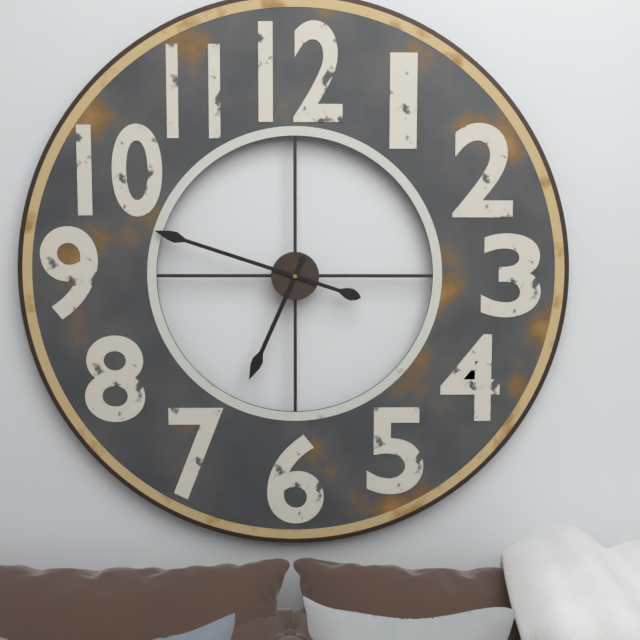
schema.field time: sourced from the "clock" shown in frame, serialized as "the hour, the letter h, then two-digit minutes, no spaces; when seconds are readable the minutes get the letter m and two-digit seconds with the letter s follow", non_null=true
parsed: 6h48
